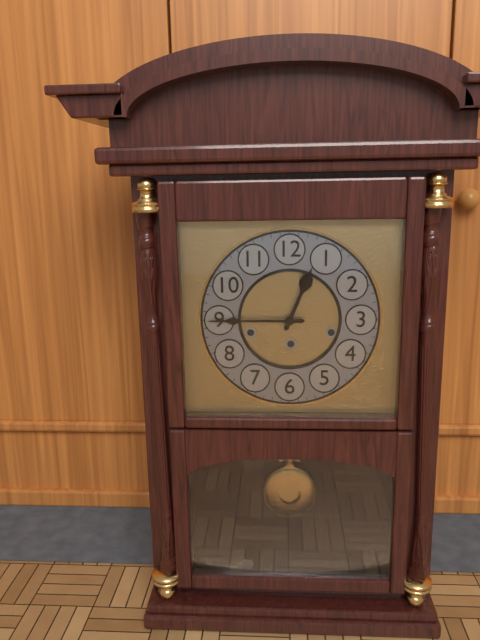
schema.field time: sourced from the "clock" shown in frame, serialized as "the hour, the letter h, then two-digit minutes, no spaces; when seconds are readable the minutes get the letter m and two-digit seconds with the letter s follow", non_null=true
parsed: 12h45
